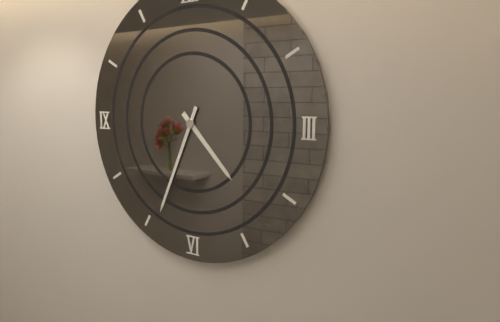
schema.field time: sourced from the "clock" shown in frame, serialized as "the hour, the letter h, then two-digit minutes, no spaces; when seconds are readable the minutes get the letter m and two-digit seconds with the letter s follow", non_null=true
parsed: 4h34
